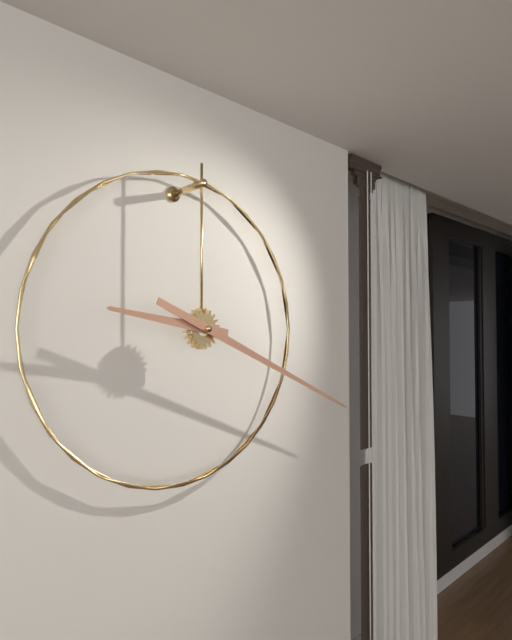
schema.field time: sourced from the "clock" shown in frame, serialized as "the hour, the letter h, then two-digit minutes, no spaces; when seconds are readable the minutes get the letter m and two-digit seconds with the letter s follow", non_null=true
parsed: 9h19
